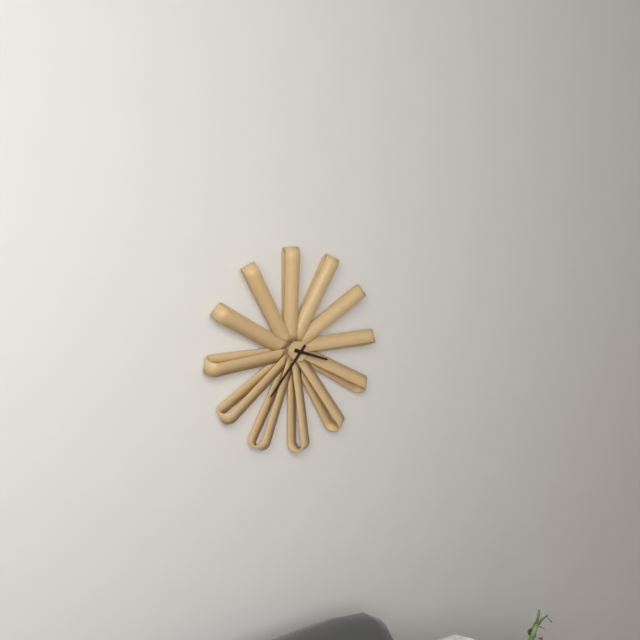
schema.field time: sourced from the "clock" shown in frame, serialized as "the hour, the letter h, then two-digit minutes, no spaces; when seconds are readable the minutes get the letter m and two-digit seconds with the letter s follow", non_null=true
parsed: 3h37
